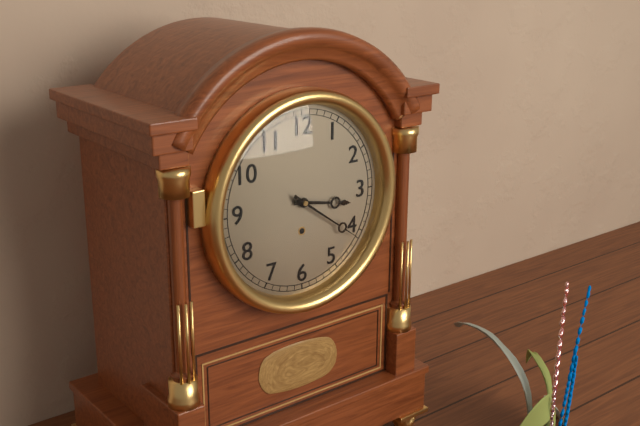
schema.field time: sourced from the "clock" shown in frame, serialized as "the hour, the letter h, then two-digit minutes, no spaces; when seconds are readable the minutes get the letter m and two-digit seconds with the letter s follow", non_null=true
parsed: 3h21
